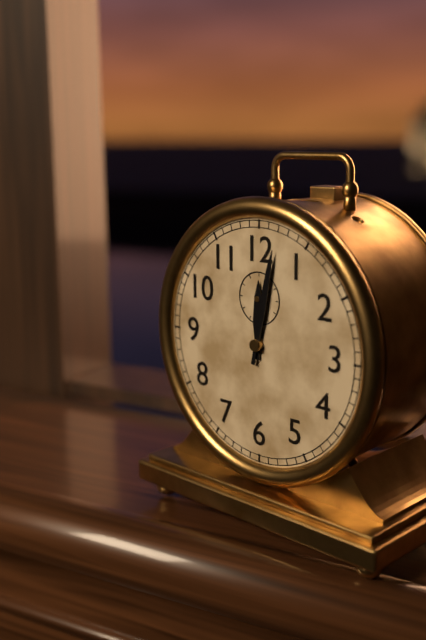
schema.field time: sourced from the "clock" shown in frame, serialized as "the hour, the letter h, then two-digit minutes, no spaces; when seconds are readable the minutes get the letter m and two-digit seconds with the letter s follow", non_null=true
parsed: 12h02
